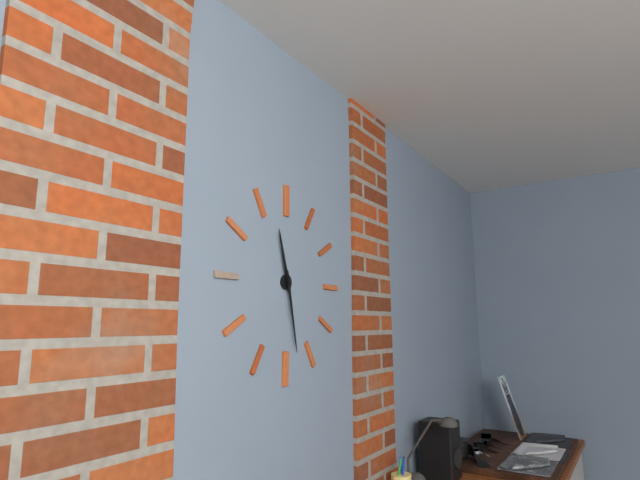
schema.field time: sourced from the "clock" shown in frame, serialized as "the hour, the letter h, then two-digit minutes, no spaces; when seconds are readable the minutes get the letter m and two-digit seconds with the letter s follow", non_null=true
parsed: 11h28
